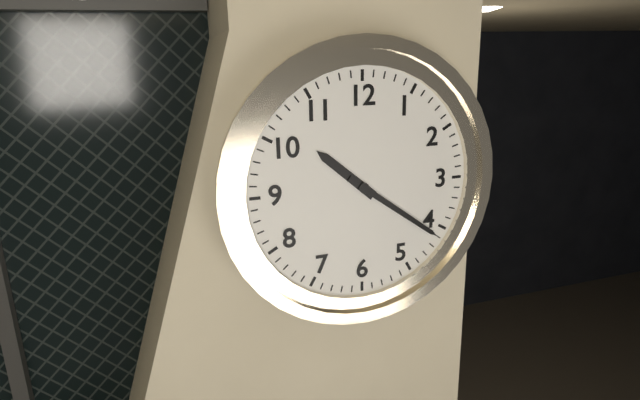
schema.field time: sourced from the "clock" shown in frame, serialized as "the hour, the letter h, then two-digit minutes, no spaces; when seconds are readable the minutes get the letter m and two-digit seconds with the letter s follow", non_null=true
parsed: 10h21
